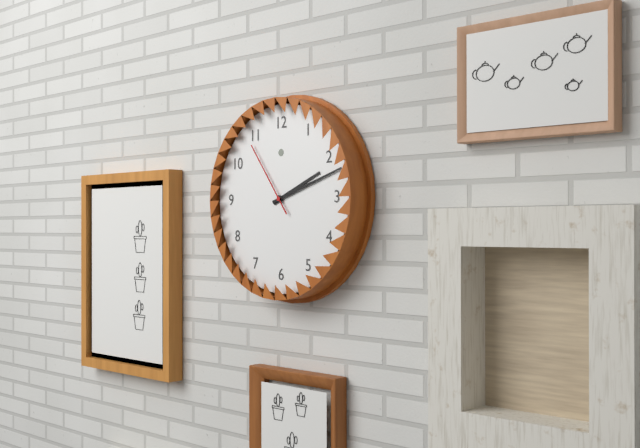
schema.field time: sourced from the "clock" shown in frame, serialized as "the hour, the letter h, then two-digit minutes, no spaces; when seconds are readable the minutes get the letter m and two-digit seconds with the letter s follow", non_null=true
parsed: 2h12m54s
